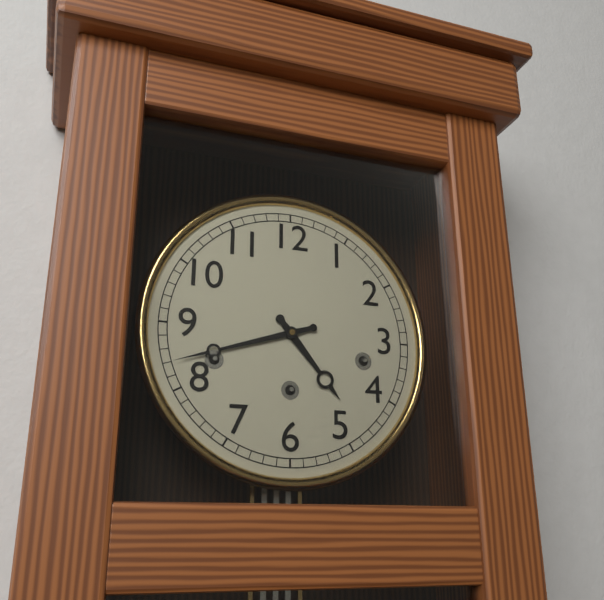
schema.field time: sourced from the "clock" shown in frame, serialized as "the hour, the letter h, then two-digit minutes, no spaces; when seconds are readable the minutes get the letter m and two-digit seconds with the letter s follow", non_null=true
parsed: 4h42
